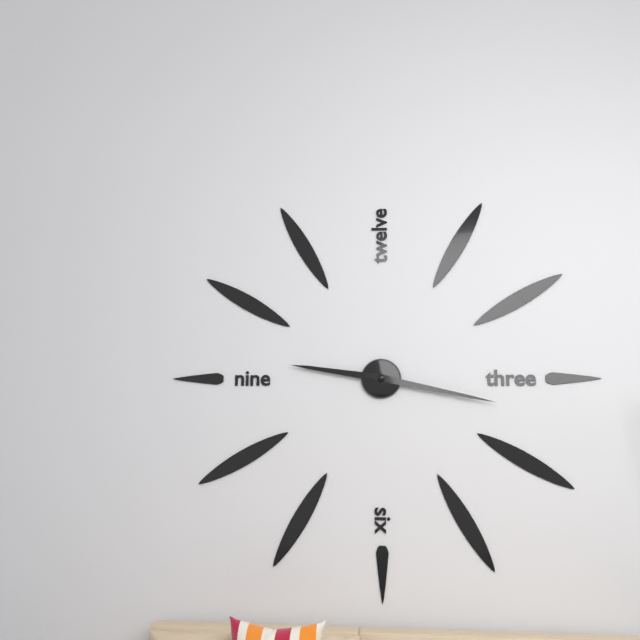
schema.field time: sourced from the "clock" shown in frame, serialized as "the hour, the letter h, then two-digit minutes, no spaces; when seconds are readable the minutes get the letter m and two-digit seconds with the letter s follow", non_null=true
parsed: 9h17
